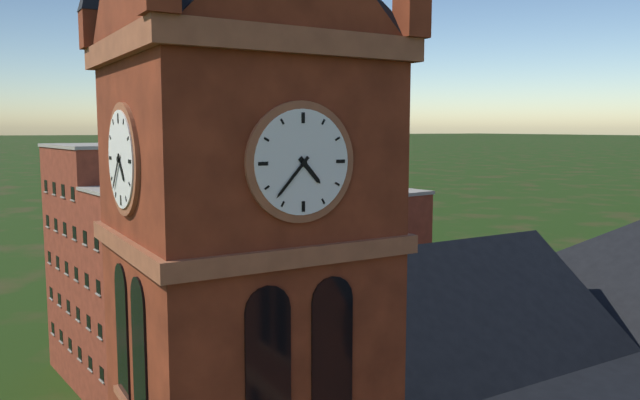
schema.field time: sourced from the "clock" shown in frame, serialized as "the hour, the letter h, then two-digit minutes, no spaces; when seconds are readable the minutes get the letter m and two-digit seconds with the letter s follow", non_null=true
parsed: 4h37
